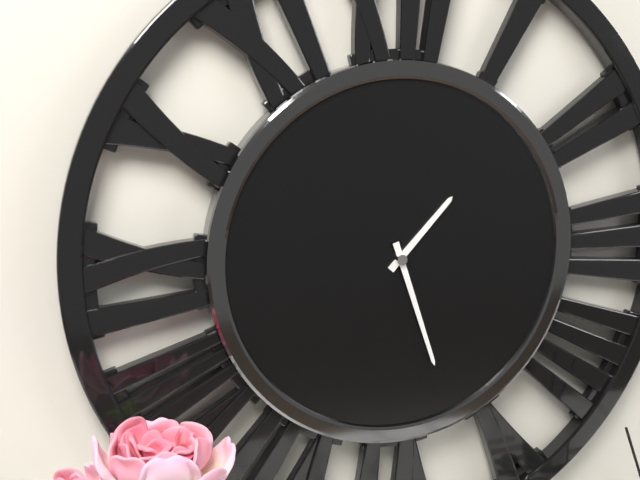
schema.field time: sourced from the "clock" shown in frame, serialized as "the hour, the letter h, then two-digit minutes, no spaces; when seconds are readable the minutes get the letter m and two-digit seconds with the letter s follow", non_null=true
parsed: 1h27
